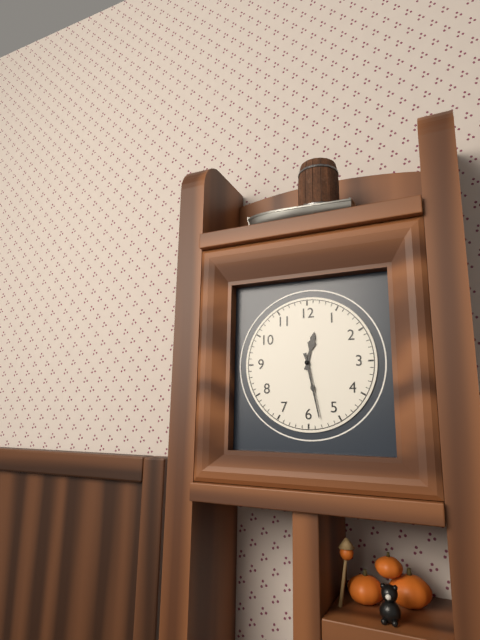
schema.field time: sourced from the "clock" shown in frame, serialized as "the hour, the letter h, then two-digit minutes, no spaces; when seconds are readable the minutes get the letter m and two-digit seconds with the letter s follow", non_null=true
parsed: 12h28
